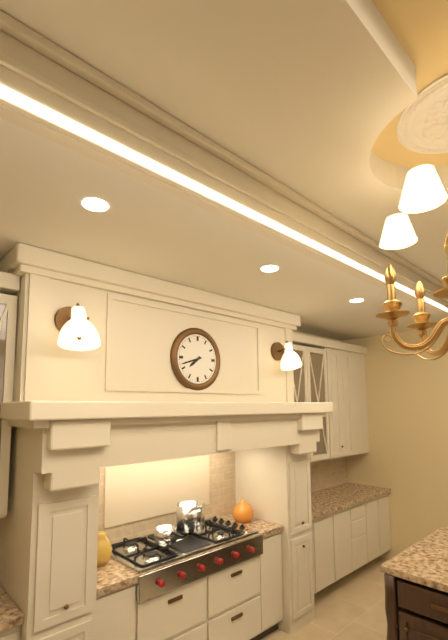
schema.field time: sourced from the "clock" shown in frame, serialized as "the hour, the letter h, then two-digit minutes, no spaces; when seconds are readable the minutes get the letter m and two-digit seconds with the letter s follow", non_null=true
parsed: 7h42
